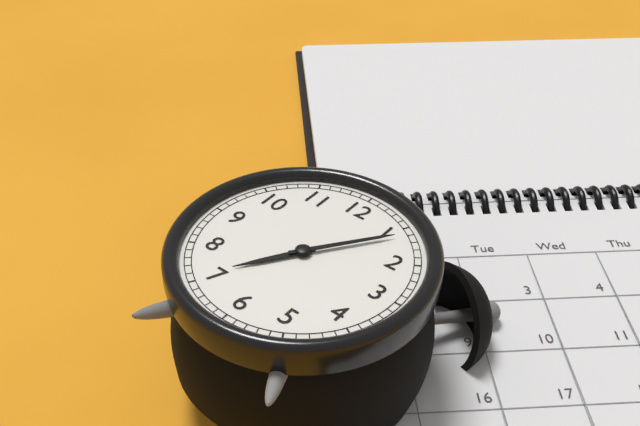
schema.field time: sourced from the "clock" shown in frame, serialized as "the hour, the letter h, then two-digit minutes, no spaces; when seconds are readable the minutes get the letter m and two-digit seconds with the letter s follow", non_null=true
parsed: 7h06
